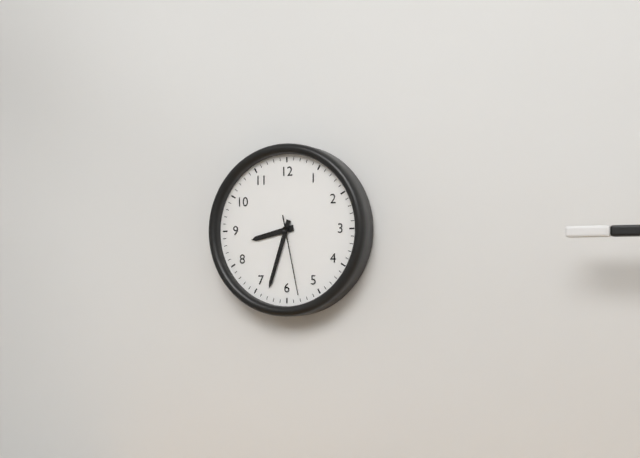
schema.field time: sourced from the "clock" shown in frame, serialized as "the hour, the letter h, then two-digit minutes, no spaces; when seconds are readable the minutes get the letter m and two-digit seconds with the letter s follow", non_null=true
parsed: 8h33m28s
